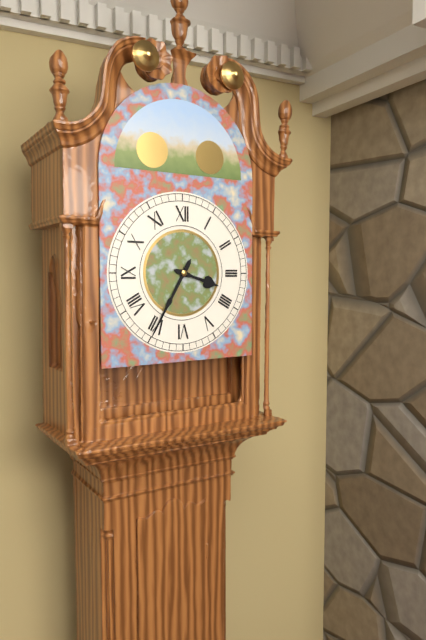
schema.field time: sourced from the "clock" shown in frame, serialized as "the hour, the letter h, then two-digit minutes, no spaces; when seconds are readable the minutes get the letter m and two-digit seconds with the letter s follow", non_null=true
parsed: 3h35
